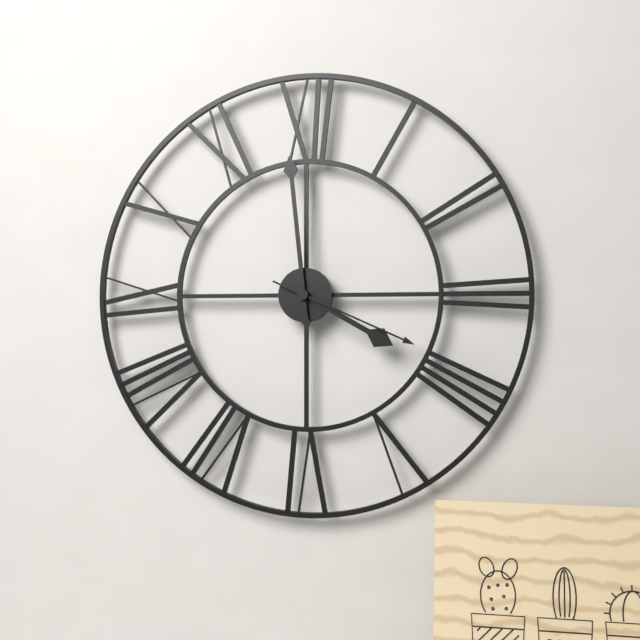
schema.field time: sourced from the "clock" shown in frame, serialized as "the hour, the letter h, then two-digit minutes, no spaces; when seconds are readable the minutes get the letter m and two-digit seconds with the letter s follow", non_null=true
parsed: 3h59m19s
